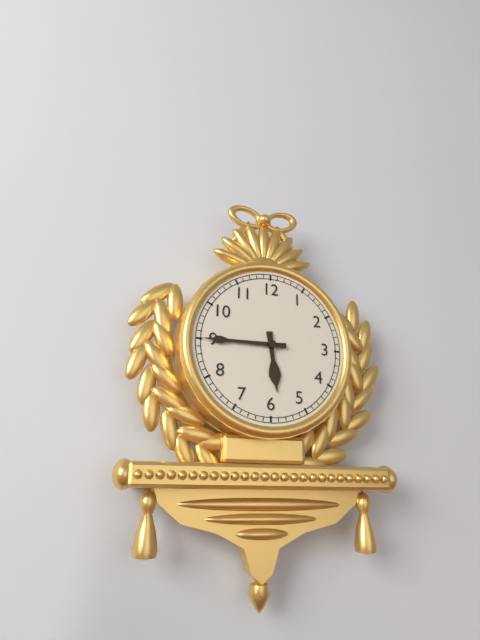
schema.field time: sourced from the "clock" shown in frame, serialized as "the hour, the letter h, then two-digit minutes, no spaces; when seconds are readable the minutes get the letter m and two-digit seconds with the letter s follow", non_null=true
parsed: 5h45
